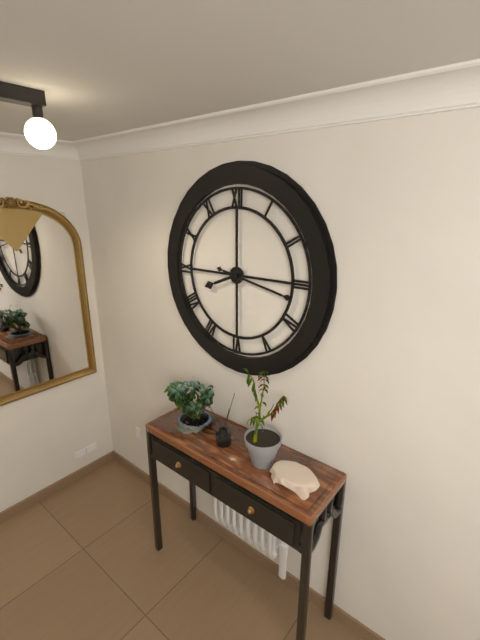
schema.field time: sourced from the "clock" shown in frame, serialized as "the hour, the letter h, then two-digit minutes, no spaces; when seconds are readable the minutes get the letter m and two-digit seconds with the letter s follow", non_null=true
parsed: 8h17
